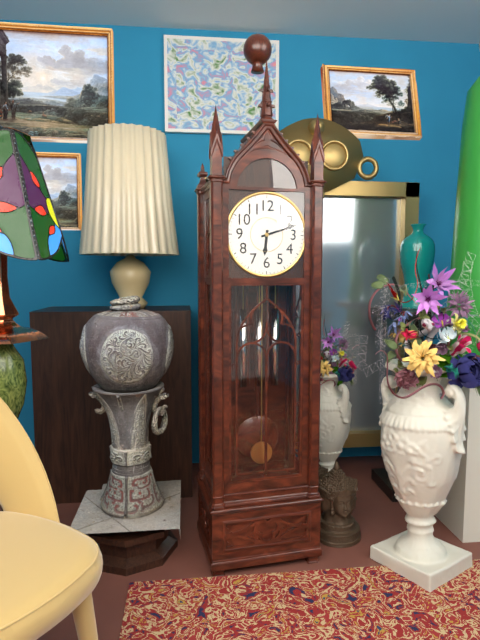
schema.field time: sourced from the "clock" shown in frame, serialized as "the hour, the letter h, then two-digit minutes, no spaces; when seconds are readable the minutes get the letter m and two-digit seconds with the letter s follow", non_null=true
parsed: 6h12
